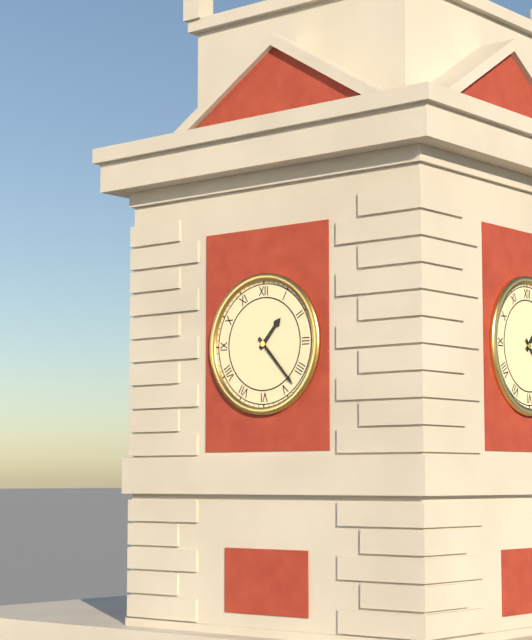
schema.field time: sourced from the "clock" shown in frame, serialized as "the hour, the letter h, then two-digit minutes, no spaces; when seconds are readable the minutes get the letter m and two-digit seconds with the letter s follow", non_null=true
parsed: 1h23
